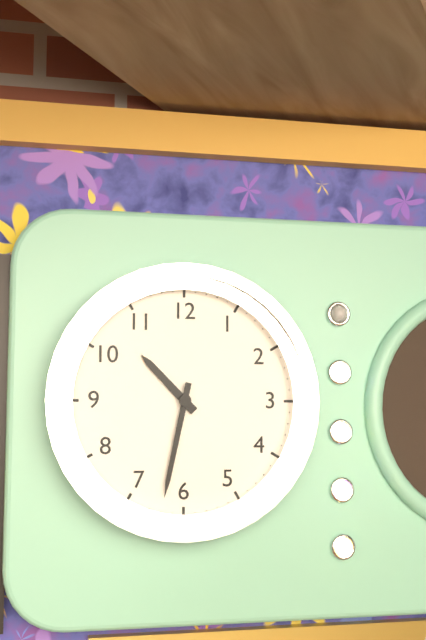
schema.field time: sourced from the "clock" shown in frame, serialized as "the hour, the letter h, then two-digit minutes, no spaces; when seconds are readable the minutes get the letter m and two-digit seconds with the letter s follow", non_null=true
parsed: 10h32
